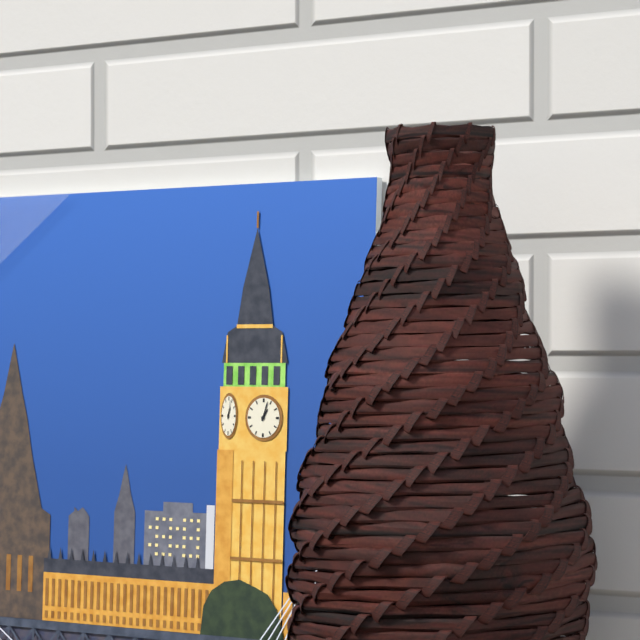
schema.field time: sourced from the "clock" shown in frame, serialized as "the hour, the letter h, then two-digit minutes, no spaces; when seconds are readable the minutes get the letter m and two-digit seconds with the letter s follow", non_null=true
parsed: 1h03
